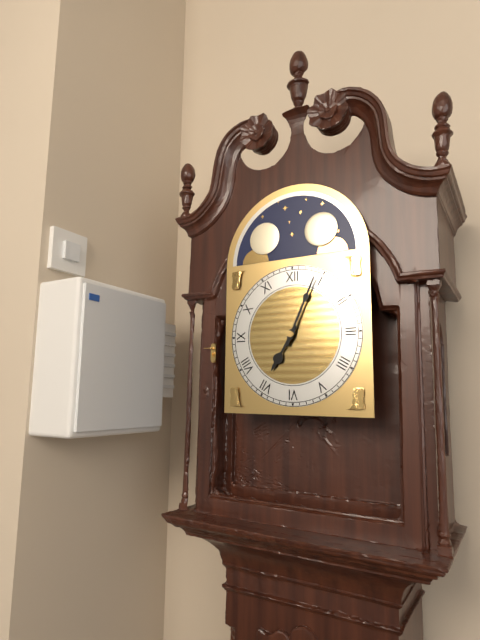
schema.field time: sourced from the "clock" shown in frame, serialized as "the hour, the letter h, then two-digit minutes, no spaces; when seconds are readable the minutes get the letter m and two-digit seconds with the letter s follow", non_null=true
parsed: 7h04
